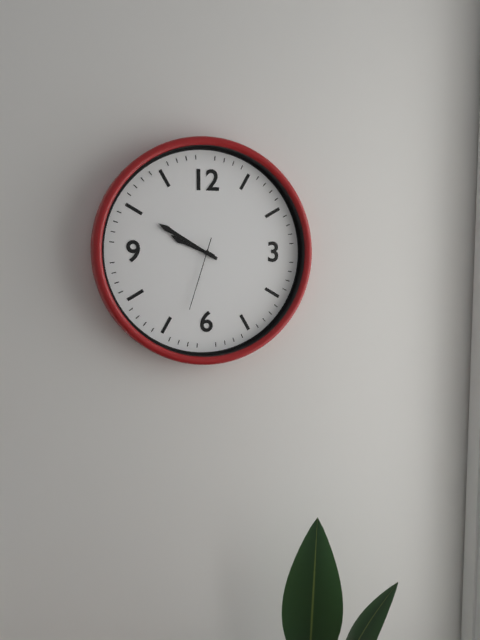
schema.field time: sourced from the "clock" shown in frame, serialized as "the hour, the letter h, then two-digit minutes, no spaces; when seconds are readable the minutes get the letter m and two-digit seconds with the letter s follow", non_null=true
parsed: 9h50m33s
